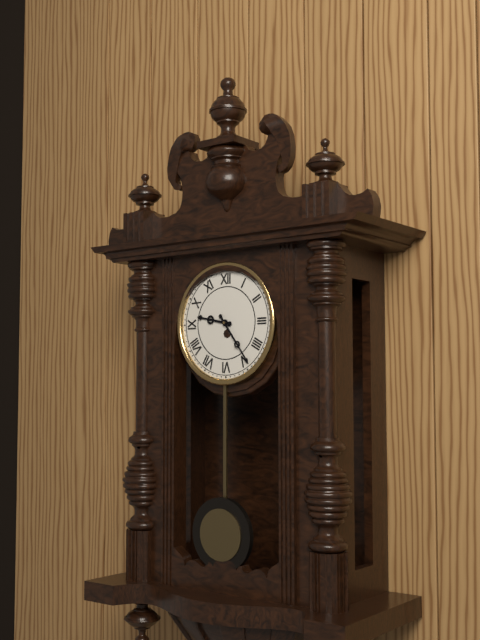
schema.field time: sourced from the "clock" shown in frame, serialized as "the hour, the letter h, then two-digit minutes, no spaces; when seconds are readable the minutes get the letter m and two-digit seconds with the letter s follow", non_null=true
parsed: 9h24
